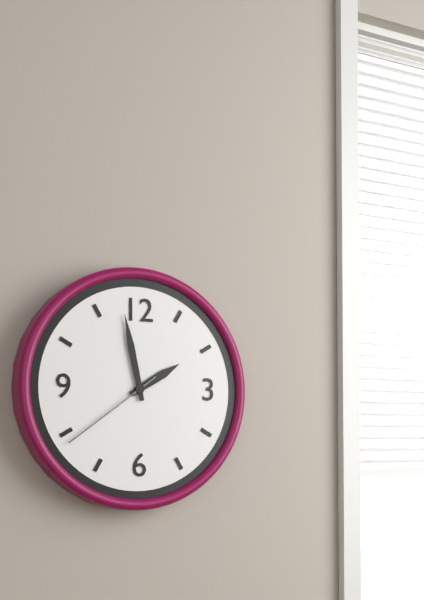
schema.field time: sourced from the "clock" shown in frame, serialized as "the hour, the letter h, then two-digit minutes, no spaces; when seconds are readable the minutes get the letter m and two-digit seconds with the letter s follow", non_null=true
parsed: 1h58m39s
